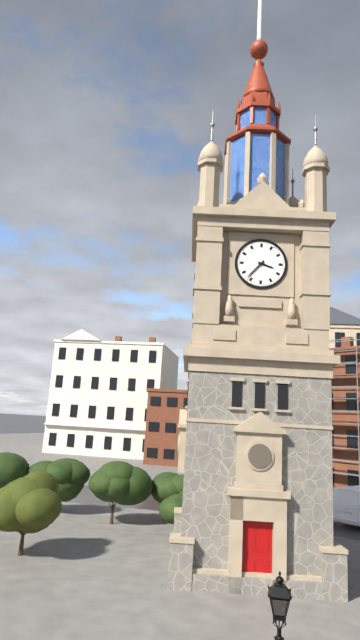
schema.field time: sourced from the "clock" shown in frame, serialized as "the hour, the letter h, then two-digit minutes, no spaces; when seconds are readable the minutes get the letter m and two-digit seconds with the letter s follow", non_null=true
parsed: 3h37
